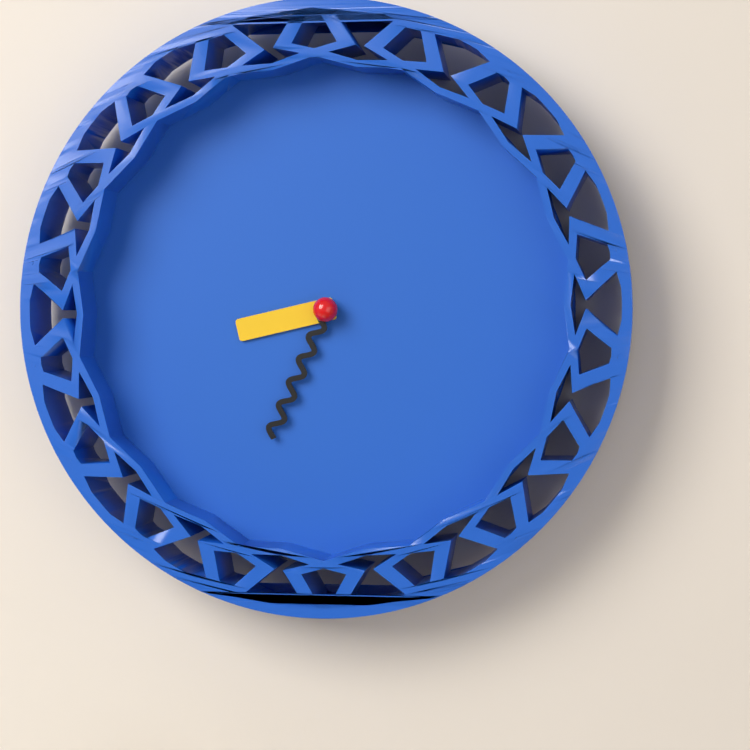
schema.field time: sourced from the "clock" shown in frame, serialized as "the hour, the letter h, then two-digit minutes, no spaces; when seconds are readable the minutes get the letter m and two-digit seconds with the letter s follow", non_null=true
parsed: 8h34
